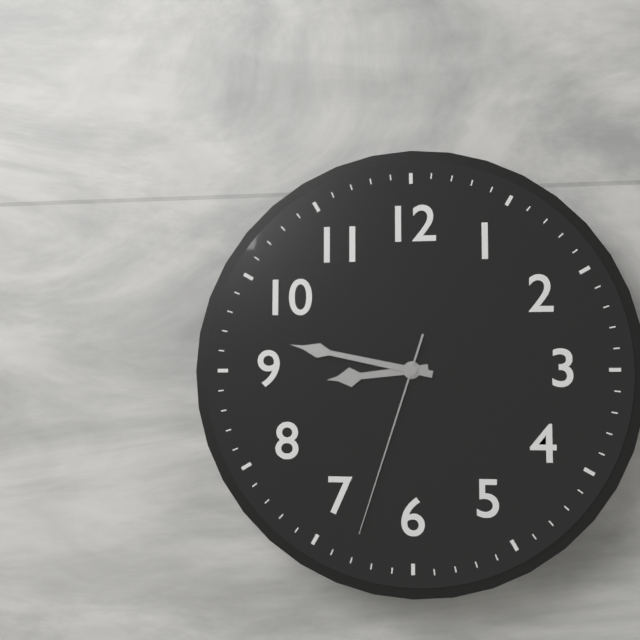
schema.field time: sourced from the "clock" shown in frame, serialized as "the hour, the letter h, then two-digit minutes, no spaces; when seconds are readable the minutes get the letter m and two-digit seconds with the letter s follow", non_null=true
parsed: 8h47m33s
